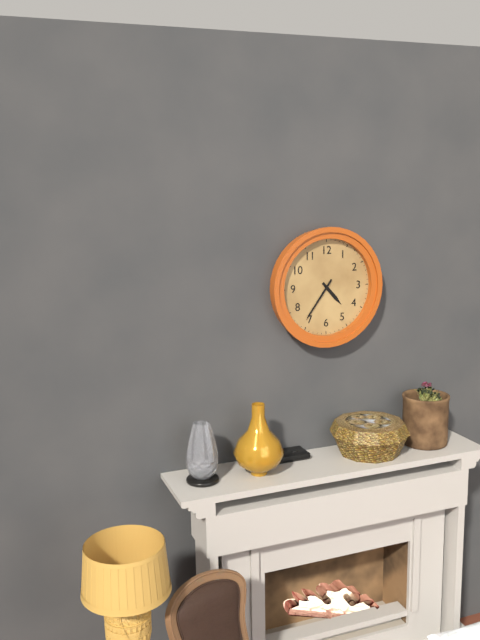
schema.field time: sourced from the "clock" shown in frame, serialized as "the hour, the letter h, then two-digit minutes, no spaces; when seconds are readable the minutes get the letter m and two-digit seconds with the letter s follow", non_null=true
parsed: 4h36
